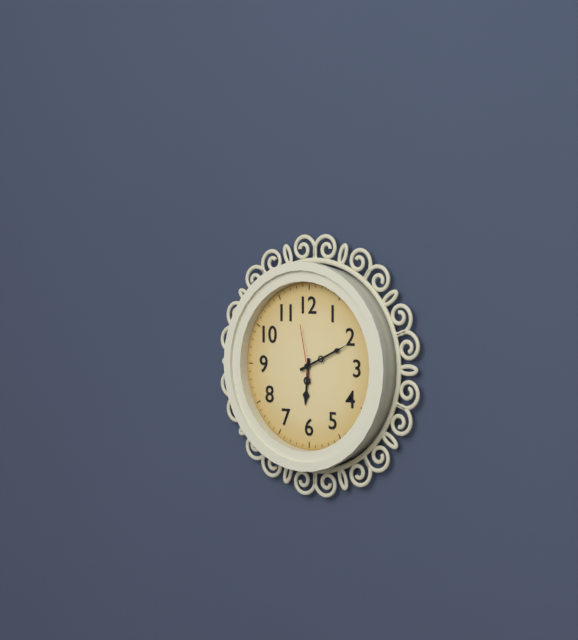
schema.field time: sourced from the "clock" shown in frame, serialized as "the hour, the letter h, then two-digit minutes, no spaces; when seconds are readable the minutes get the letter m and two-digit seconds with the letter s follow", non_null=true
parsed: 6h11m58s
